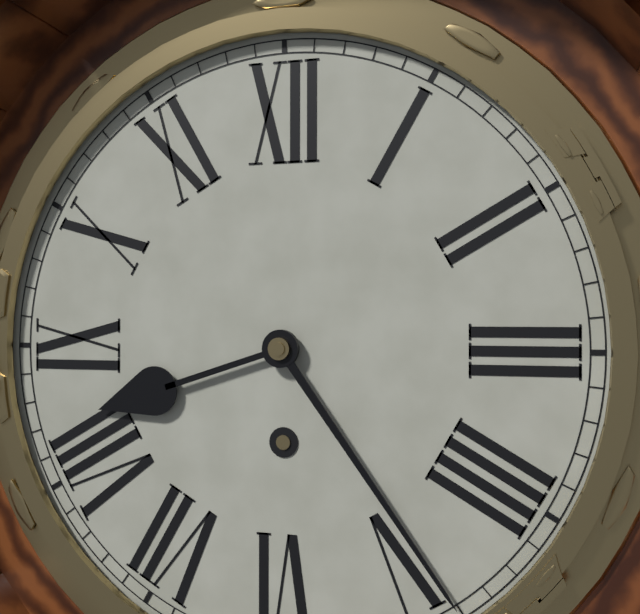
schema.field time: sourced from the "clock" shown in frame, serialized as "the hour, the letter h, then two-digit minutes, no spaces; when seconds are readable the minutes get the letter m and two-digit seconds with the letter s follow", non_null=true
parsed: 8h24
